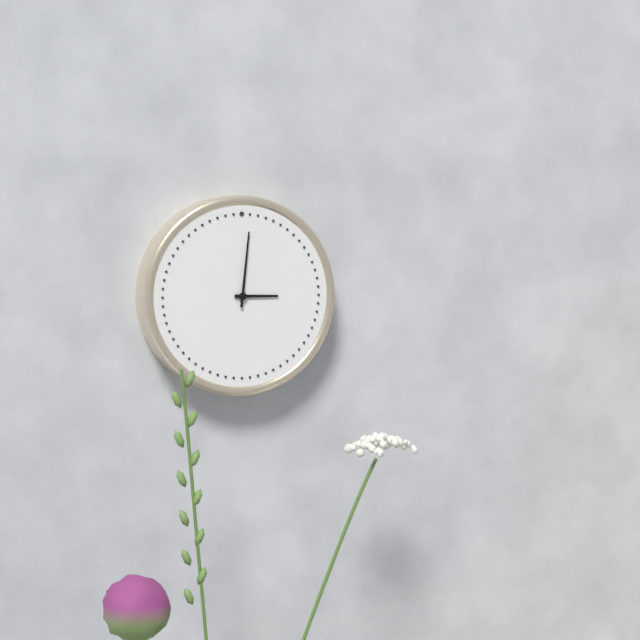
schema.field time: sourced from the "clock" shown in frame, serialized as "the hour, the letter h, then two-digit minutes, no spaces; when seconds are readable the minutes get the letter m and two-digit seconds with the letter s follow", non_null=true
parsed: 3h01
